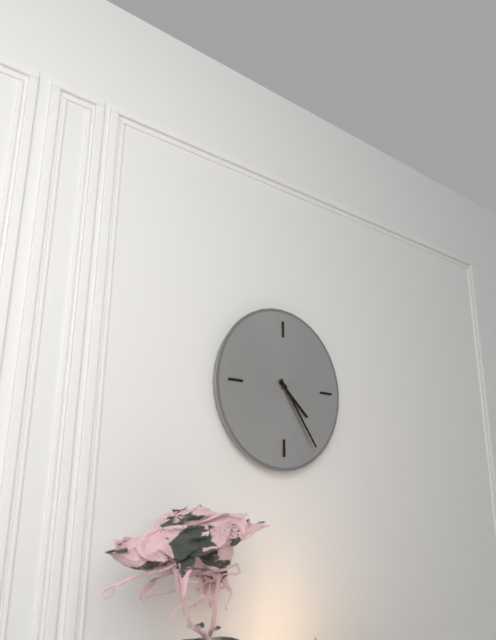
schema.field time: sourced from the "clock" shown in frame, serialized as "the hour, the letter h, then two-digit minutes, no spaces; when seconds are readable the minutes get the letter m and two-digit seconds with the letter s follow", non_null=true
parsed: 4h24
